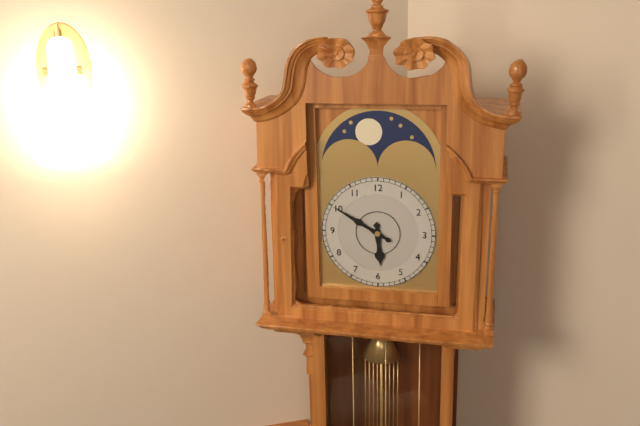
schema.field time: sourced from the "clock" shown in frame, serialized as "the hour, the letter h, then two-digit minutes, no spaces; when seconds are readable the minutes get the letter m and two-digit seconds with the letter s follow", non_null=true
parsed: 5h50
